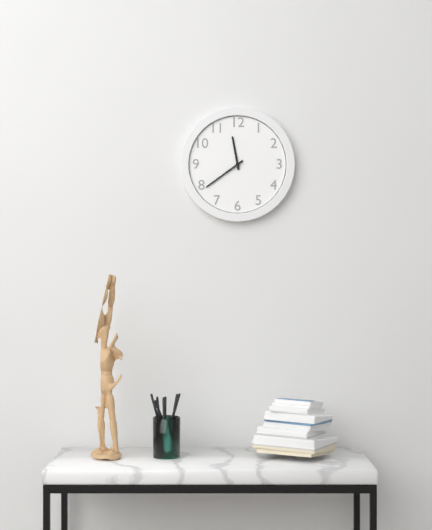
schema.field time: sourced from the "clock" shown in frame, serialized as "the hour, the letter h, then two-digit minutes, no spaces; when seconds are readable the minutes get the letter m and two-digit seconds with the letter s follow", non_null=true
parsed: 11h39
